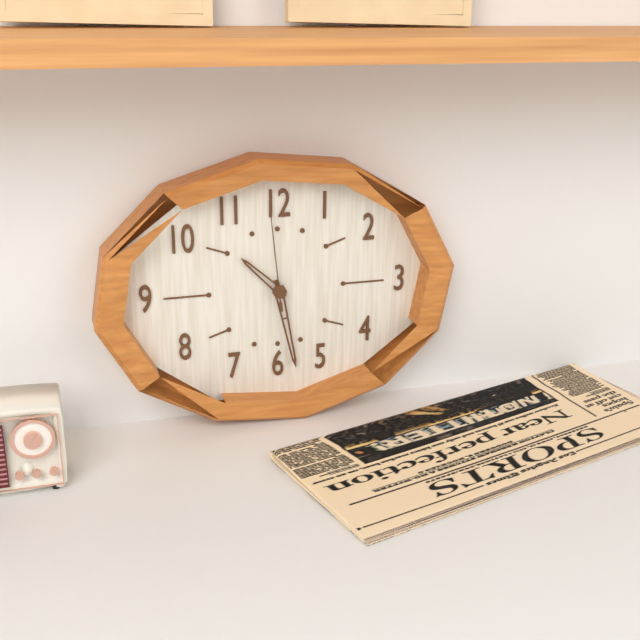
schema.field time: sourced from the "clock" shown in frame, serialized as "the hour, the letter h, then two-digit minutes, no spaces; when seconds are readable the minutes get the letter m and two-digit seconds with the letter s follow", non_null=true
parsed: 10h28m59s
